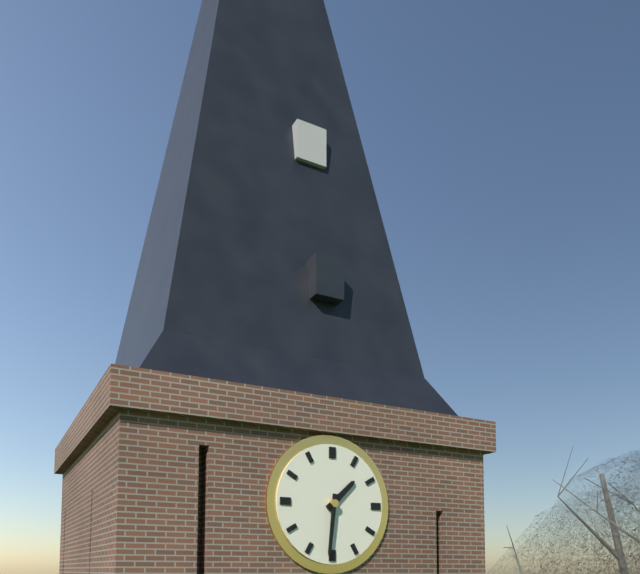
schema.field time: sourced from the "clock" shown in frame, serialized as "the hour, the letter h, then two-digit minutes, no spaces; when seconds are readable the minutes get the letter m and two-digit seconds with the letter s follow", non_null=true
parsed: 1h31
